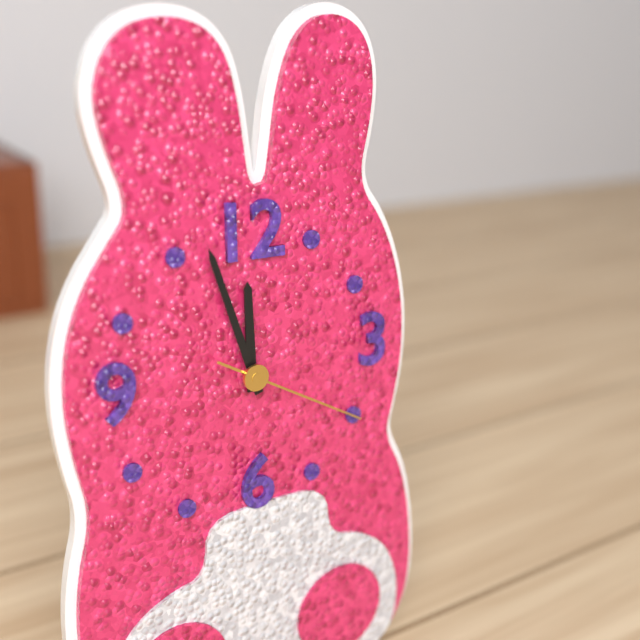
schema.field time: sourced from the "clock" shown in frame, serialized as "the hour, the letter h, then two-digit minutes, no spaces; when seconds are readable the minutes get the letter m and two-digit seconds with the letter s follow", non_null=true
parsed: 11h57m20s
